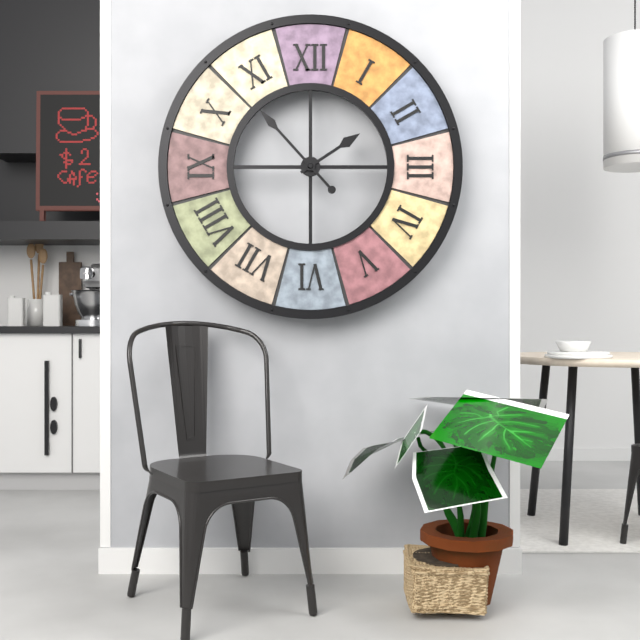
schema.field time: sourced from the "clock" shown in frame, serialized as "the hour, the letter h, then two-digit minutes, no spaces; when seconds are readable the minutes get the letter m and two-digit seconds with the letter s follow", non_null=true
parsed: 1h53
